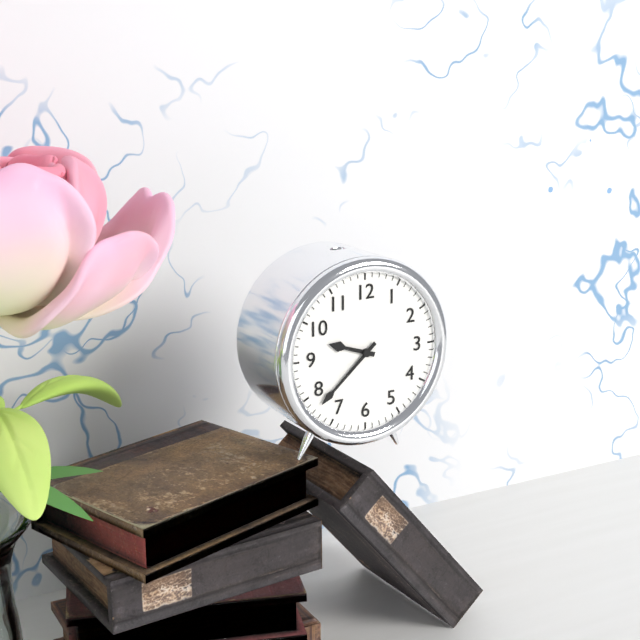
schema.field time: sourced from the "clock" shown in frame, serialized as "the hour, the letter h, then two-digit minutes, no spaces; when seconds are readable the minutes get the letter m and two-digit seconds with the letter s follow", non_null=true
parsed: 9h38
